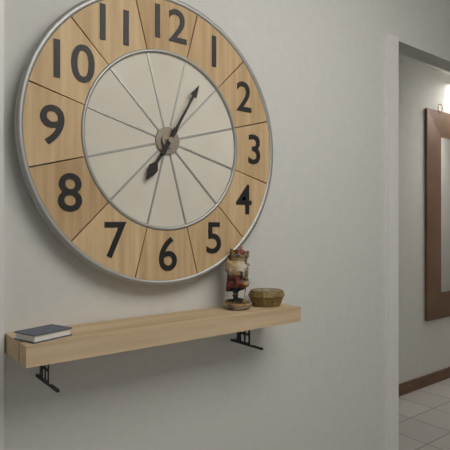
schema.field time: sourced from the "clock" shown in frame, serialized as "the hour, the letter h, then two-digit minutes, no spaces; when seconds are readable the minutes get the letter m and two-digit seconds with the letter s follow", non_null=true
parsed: 7h05
